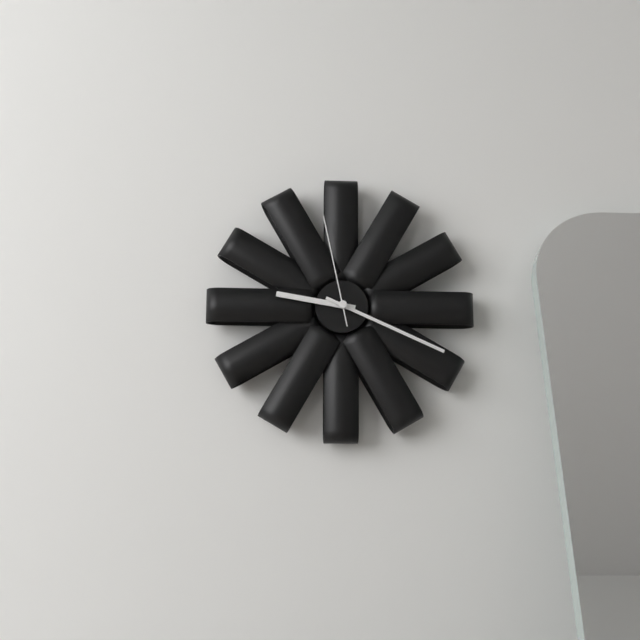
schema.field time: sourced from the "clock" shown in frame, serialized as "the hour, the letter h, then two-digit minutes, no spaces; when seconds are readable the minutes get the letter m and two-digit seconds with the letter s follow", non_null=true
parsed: 9h19m58s
